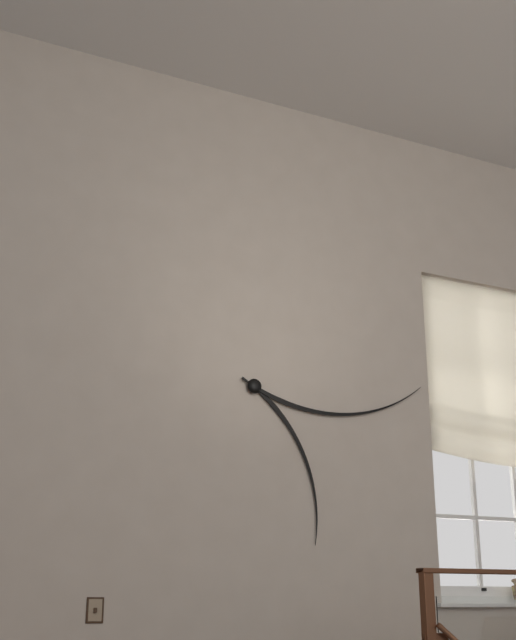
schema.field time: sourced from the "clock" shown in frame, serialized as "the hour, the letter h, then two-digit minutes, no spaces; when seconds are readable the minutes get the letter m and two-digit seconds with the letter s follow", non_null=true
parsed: 5h14
